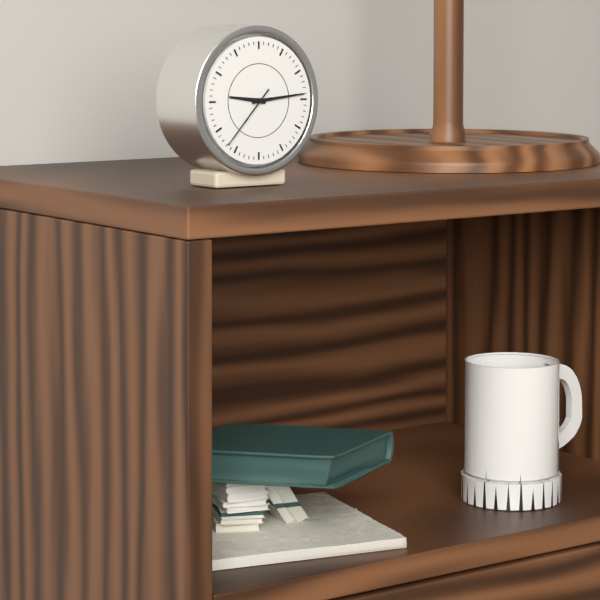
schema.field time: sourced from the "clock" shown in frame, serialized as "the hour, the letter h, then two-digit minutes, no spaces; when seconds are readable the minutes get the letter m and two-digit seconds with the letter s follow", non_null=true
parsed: 9h14m37s
